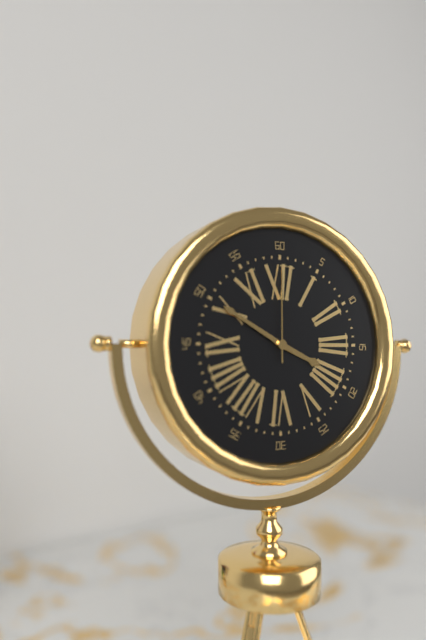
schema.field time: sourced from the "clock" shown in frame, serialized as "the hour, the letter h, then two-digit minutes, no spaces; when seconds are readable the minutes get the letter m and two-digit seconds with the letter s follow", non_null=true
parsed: 3h50m00s
